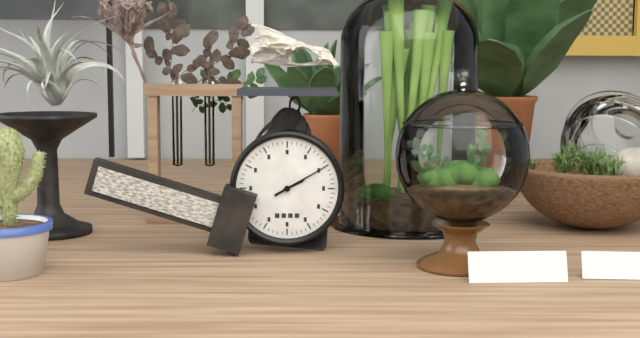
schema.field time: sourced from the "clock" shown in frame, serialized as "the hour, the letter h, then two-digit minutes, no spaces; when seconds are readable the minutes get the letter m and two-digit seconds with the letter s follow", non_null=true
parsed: 2h10
